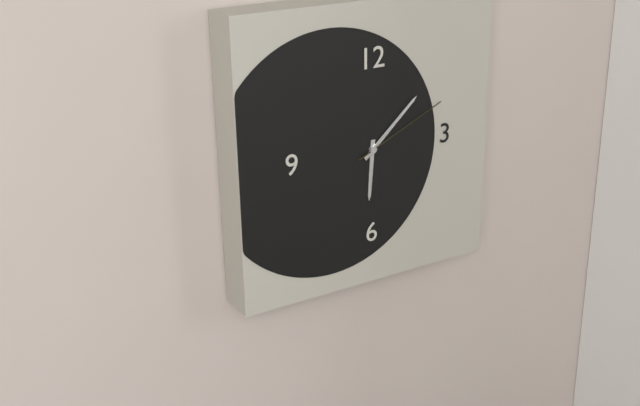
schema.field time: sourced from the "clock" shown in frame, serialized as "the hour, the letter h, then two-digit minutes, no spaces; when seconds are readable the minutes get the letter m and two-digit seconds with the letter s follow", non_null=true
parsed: 6h08m11s
